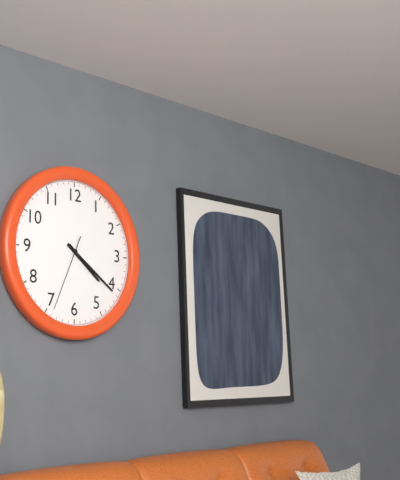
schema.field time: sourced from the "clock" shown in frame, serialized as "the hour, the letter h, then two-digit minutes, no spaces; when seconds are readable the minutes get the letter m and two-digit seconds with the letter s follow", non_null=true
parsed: 4h21m34s
